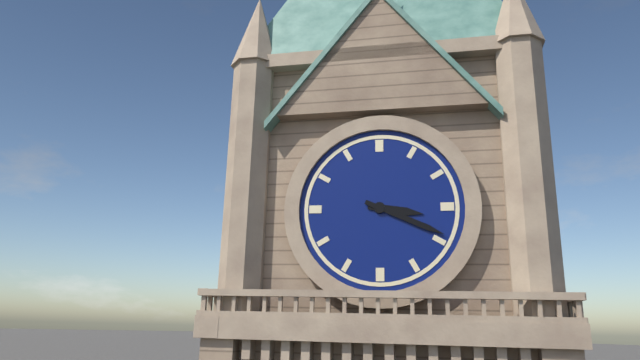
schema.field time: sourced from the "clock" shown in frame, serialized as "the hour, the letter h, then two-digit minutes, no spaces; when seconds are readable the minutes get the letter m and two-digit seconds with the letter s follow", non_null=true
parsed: 3h19
